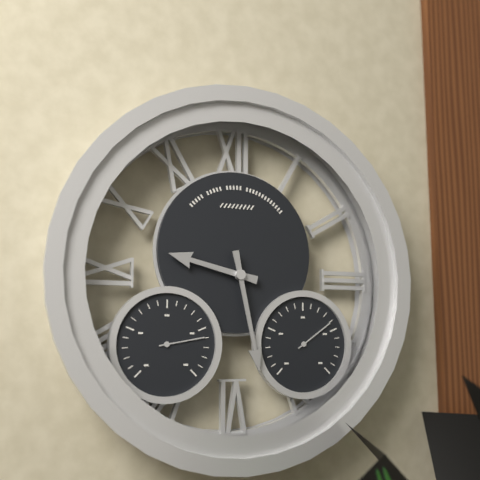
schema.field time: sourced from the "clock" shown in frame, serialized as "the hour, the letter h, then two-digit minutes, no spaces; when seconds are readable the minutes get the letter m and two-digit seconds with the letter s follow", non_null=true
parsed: 9h28
